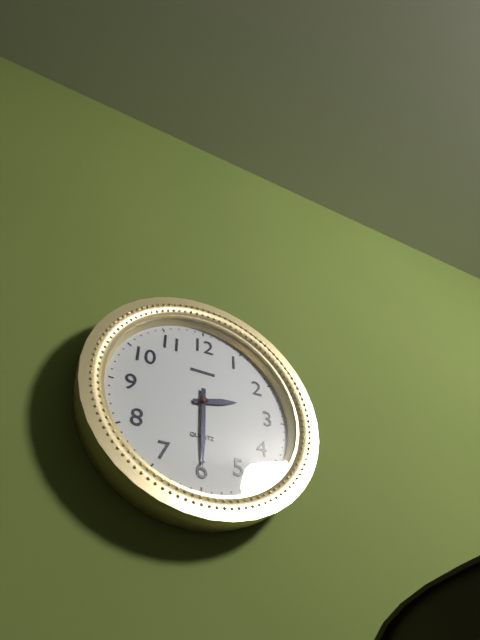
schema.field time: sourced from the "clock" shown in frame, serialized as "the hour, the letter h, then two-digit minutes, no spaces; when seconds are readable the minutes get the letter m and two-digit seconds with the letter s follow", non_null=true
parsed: 2h30
